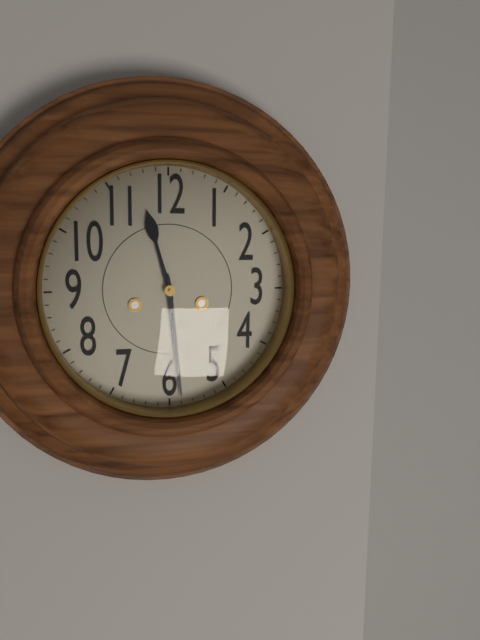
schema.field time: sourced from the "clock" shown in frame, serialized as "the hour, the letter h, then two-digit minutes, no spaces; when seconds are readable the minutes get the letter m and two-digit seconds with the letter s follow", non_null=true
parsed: 11h29
